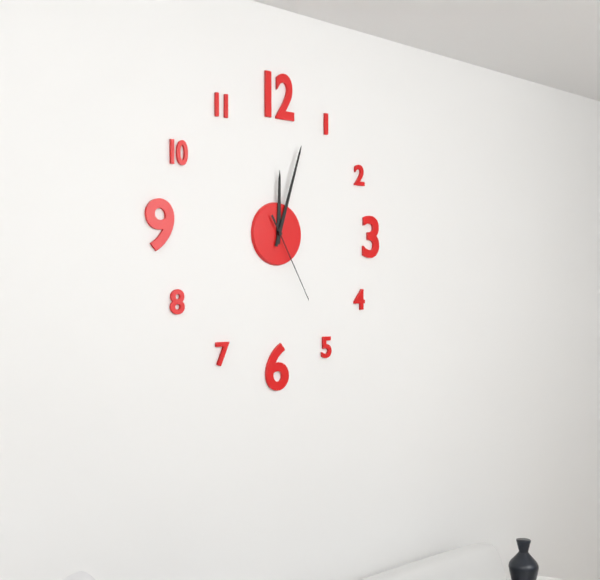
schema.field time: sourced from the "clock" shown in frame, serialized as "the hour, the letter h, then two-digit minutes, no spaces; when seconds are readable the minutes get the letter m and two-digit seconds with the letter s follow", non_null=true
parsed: 12h03m25s
